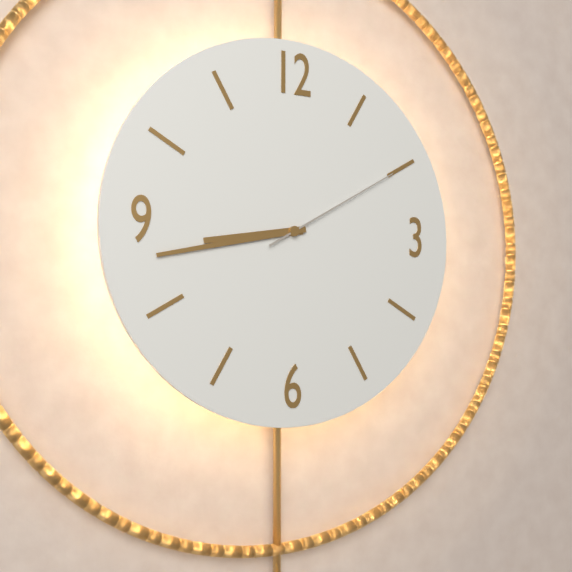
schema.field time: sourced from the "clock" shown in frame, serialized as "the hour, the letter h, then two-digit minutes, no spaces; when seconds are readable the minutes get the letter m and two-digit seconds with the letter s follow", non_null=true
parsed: 8h43m10s
